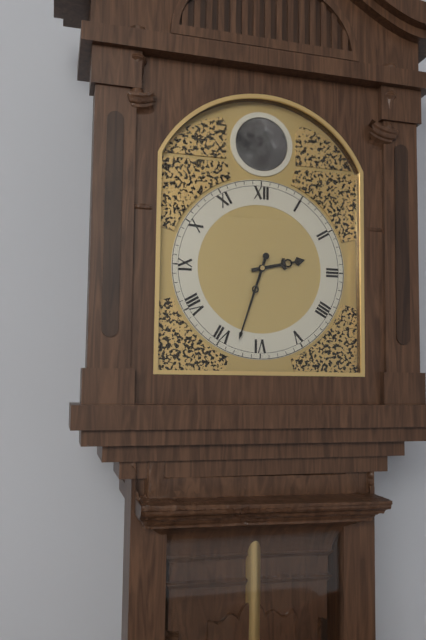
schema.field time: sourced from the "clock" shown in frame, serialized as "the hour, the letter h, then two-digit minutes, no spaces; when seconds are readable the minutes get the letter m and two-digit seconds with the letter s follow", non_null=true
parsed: 2h33
